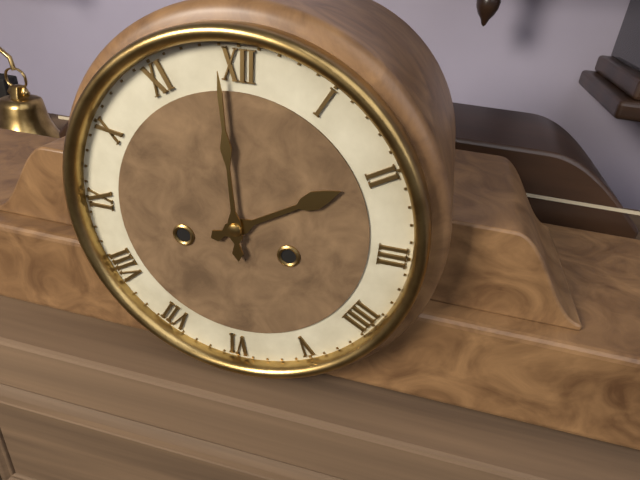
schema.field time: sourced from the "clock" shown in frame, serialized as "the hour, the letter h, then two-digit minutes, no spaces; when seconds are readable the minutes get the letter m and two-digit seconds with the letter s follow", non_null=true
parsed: 1h59
